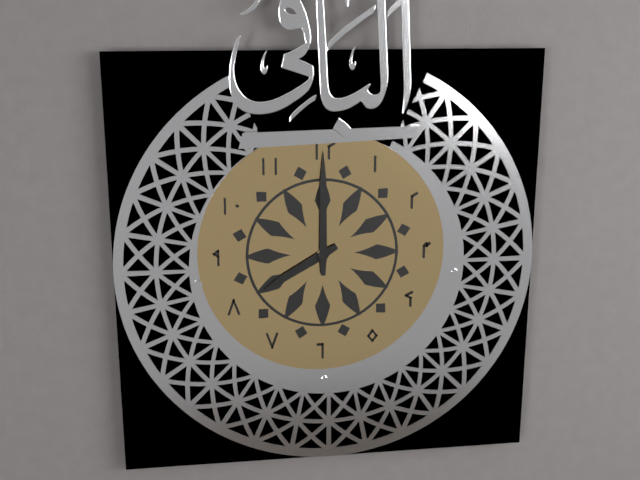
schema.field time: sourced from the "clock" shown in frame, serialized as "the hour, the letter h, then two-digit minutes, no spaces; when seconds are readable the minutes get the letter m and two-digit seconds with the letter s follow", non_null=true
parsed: 8h00
